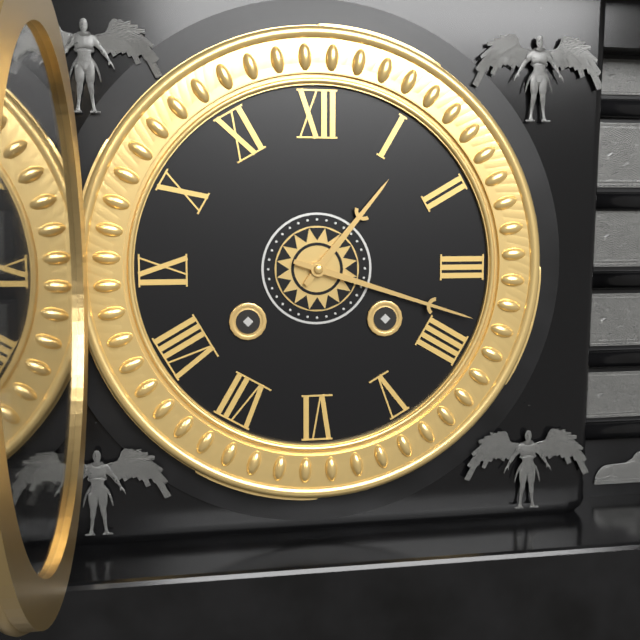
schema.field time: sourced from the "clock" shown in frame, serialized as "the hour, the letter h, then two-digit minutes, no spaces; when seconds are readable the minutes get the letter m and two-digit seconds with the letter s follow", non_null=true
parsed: 1h18
